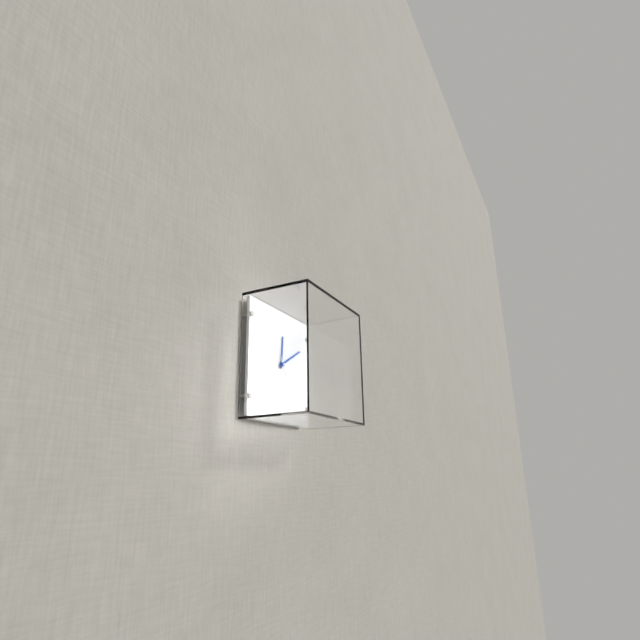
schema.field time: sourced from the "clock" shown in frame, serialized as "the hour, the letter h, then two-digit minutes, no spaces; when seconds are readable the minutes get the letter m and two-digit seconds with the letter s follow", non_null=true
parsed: 12h10m25s
